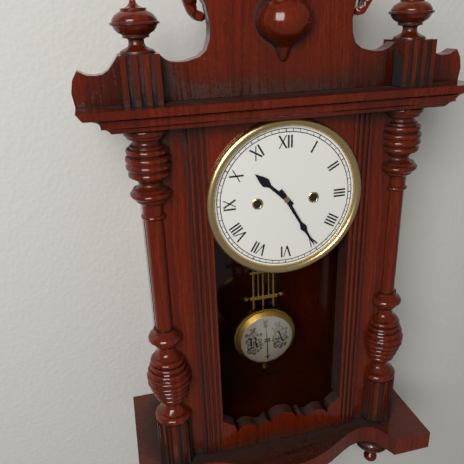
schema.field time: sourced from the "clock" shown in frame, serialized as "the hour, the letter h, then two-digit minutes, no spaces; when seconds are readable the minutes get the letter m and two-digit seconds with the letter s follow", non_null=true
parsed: 10h25
